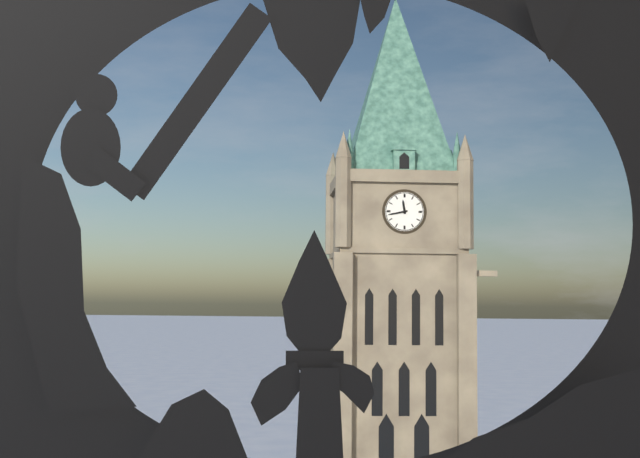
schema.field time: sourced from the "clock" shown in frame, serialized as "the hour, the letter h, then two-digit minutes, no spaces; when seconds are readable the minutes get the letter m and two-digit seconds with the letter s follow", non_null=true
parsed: 11h43
